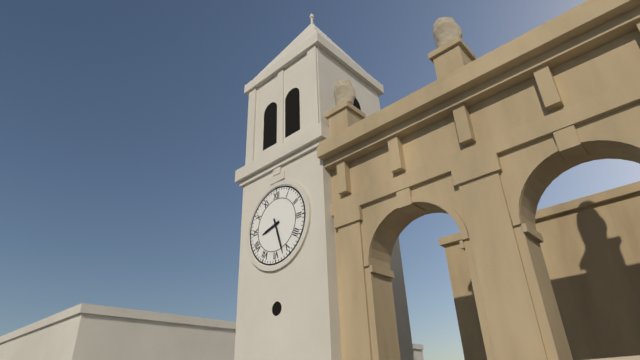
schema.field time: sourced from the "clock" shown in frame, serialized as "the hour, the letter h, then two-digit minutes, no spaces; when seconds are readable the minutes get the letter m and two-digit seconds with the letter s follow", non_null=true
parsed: 8h27
